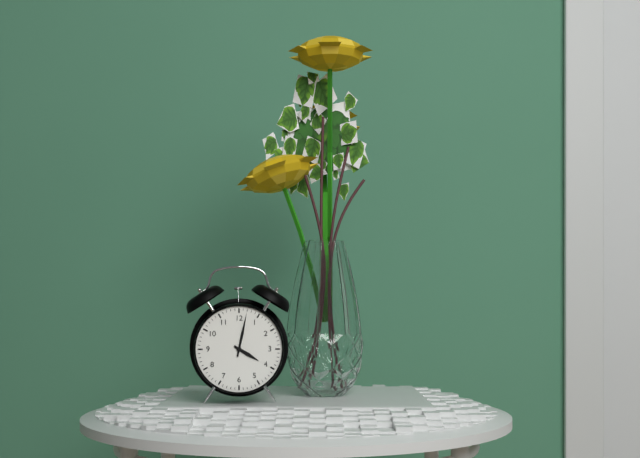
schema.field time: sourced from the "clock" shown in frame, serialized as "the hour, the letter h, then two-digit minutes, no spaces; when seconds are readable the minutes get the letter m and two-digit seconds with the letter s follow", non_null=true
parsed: 4h02
